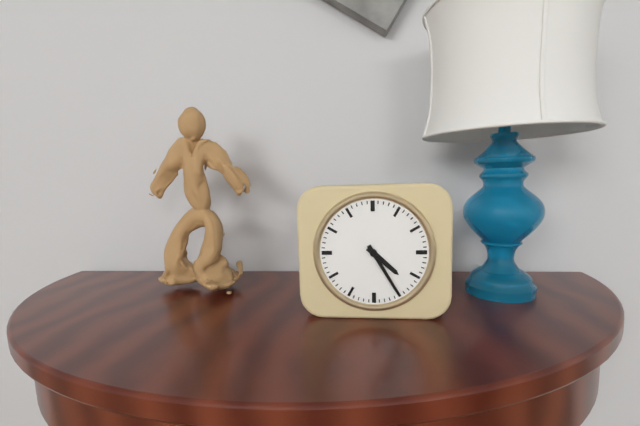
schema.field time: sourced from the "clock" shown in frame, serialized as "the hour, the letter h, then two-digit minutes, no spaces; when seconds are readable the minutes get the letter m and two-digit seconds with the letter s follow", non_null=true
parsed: 4h25
